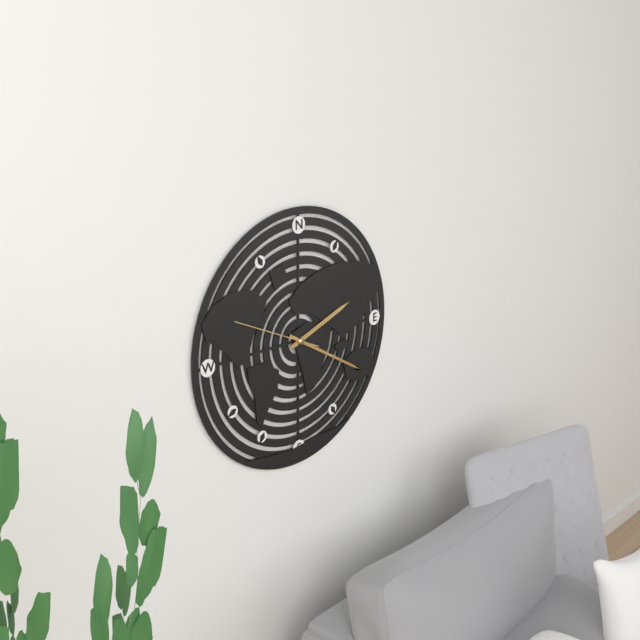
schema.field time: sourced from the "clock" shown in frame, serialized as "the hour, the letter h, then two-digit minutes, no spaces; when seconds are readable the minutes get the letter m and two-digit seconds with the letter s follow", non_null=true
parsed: 2h20m49s
